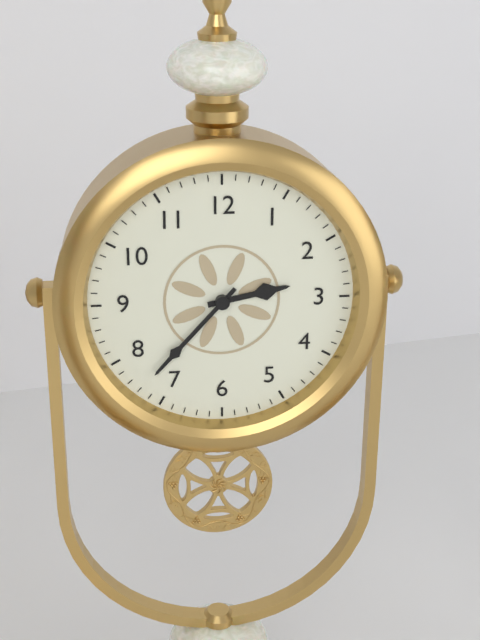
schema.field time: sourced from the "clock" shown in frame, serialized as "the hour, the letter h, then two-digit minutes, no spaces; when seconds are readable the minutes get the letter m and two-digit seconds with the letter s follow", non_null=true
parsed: 2h37
